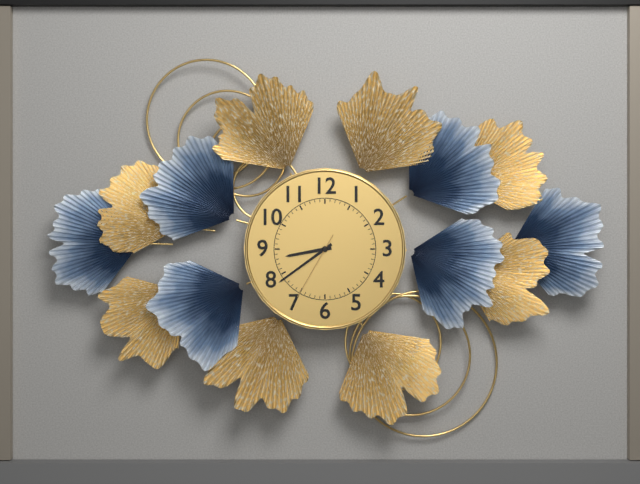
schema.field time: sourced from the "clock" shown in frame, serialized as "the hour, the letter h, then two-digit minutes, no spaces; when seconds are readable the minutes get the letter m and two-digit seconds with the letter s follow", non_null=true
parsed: 8h39m35s
